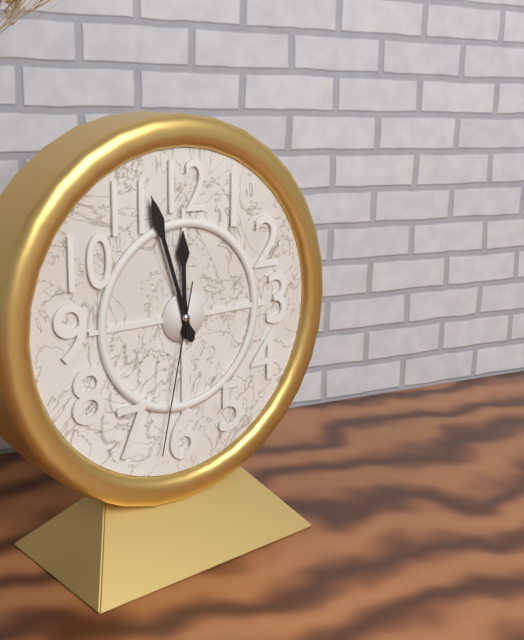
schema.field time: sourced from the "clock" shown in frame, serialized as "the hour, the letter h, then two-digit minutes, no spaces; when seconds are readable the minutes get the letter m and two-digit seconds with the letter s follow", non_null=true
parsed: 11h57m32s
